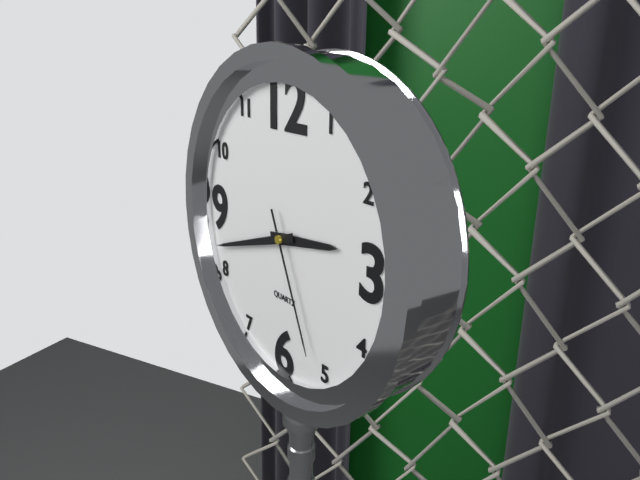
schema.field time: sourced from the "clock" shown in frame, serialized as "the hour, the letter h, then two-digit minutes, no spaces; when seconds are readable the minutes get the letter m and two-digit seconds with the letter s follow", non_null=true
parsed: 2h42m26s
